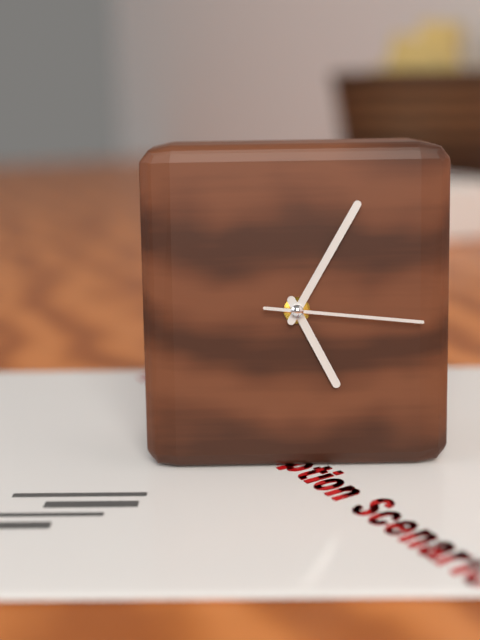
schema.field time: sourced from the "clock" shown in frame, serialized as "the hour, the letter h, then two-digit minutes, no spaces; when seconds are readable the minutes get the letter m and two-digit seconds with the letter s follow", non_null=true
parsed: 5h05m16s
